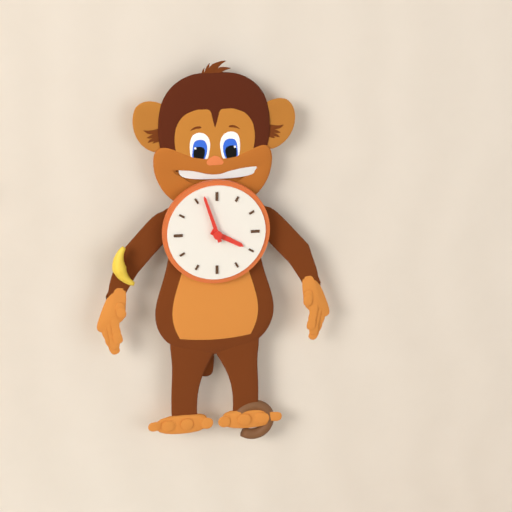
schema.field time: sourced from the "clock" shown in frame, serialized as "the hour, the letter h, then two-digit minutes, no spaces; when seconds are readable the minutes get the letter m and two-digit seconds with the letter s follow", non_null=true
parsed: 3h57
